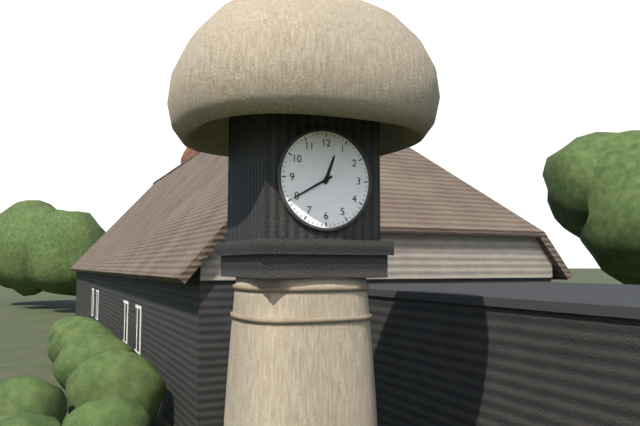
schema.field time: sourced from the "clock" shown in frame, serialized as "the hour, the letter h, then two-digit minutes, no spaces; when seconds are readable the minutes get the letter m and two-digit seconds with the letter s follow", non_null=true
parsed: 12h40
